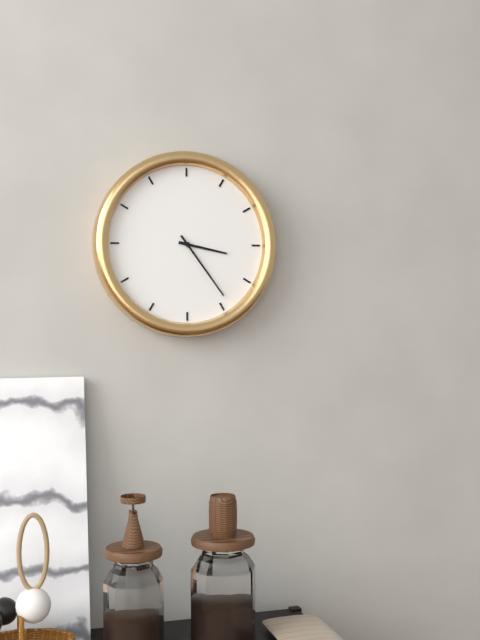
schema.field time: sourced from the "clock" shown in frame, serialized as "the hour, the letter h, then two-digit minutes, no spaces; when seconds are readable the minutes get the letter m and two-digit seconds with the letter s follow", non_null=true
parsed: 3h24
